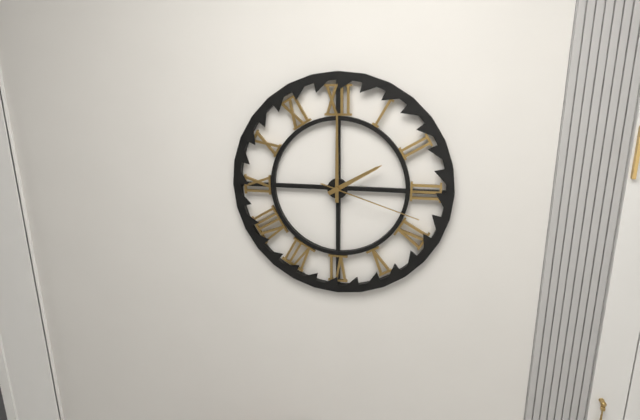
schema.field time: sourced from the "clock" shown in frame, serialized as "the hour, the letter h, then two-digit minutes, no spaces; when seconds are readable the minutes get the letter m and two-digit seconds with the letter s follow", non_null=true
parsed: 2h00m18s
